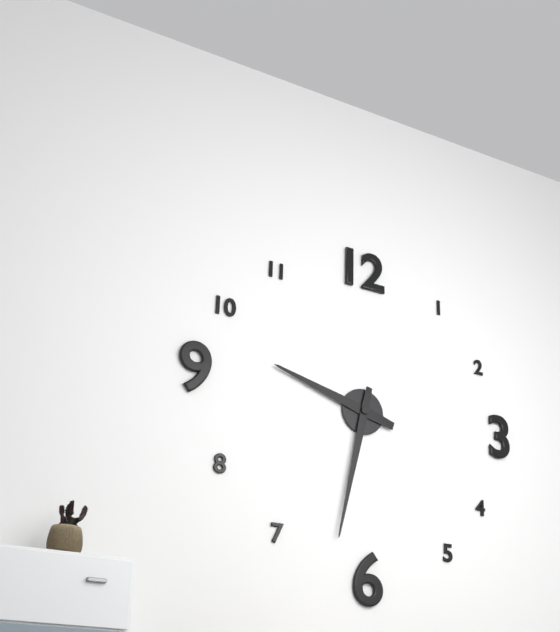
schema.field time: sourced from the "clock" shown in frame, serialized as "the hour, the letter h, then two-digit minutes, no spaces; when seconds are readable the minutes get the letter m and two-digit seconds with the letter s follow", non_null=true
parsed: 9h32
